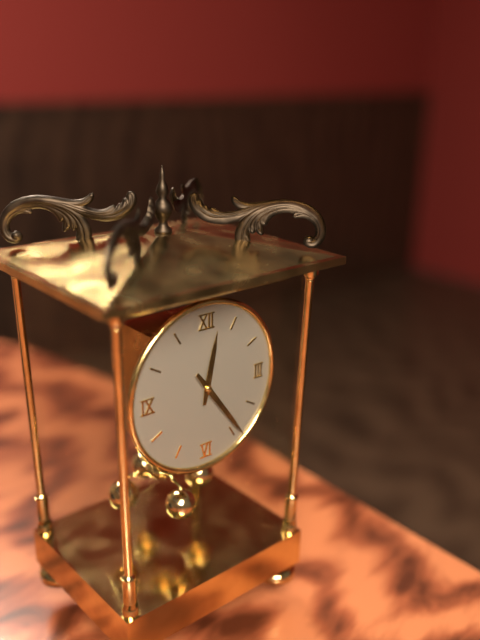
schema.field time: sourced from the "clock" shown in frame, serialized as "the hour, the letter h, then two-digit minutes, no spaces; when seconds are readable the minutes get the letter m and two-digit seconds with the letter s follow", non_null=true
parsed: 12h24
